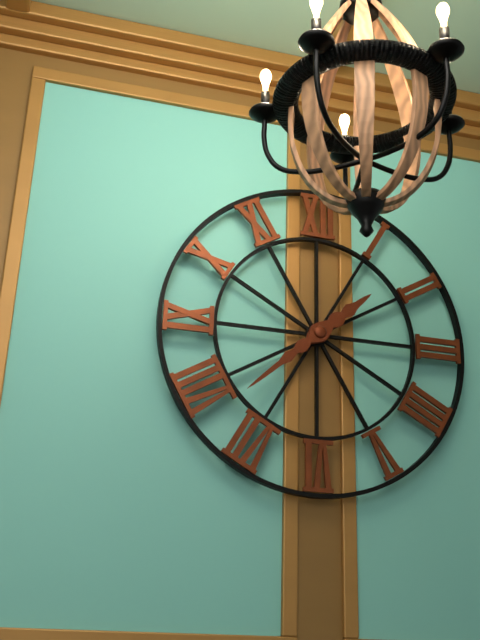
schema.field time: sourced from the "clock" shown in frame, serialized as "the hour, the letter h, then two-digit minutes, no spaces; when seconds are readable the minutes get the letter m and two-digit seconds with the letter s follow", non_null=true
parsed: 1h38
